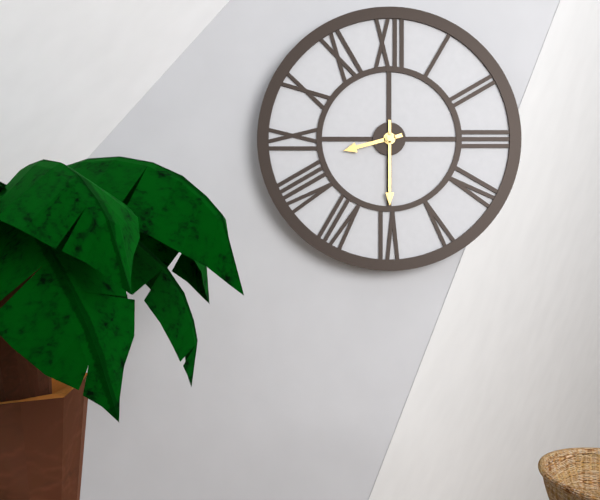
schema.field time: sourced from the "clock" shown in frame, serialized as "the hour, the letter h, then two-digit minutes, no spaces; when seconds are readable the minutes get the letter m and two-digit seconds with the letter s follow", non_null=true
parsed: 8h30
